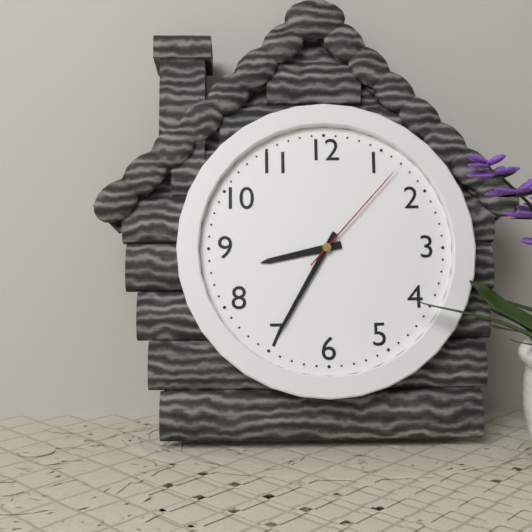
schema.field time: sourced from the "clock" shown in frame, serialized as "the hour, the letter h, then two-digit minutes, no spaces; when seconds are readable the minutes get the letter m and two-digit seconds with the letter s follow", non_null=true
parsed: 8h35m07s
